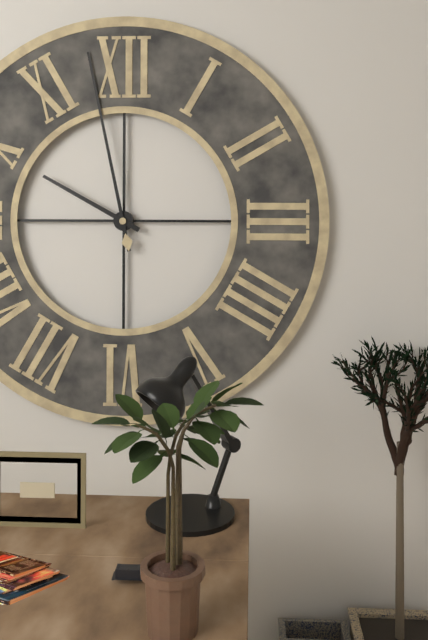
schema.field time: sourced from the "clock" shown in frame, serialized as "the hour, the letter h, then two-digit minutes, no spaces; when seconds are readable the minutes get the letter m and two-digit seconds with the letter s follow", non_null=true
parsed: 9h58
